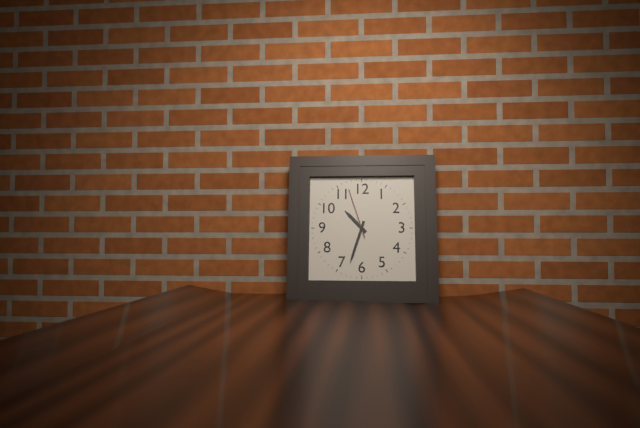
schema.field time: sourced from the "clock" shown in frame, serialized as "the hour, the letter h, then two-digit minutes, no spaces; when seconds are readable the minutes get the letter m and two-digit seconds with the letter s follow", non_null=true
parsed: 10h33m57s
